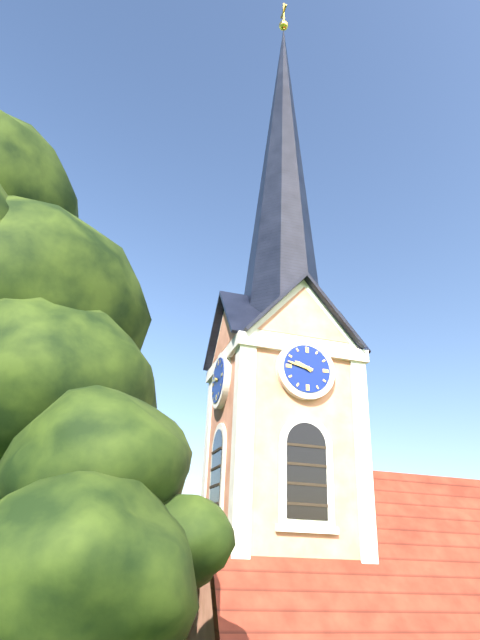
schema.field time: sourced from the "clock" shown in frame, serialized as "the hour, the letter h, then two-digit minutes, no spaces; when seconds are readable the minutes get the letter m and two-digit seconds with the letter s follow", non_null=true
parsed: 9h47
